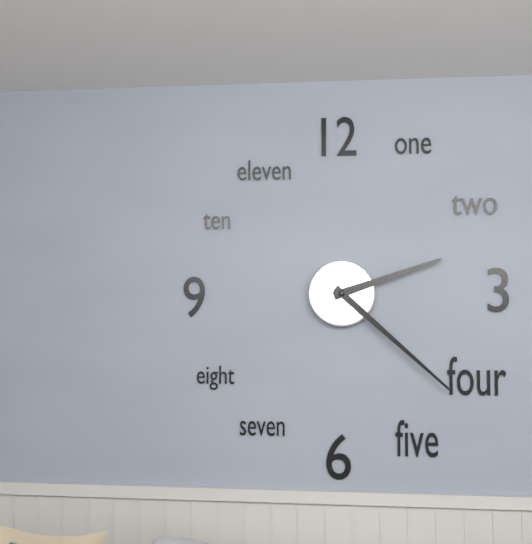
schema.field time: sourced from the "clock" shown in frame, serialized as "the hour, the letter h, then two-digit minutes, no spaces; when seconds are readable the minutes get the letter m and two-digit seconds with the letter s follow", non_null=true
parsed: 2h22
